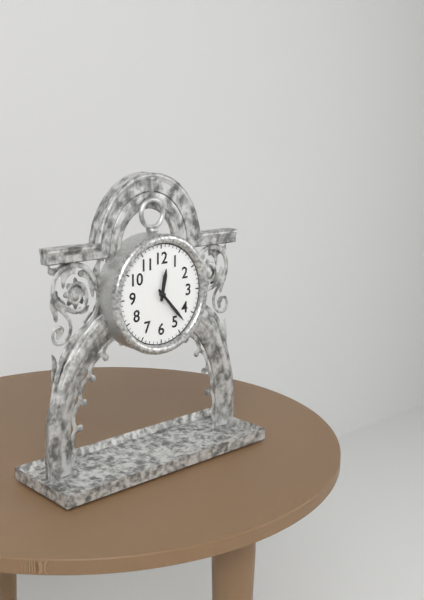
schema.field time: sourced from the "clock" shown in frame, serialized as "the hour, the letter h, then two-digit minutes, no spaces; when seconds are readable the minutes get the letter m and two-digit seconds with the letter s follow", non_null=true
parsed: 12h23
